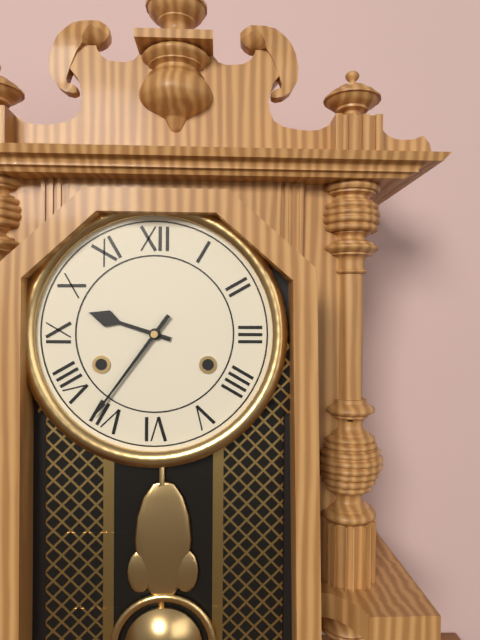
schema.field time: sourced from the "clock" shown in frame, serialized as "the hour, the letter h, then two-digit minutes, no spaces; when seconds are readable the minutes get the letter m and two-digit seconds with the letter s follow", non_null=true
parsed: 9h36
